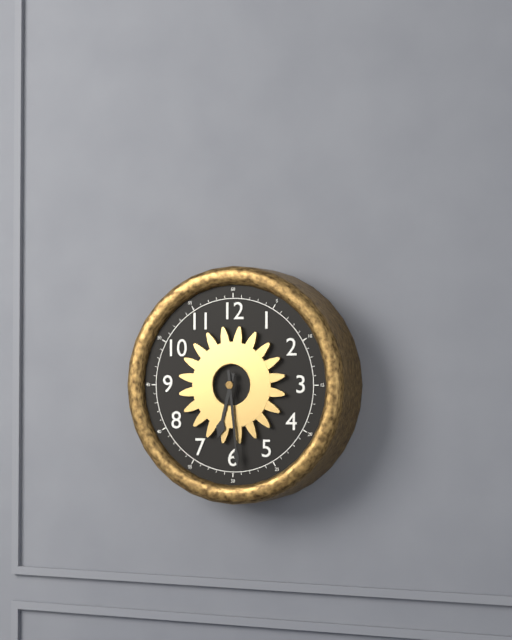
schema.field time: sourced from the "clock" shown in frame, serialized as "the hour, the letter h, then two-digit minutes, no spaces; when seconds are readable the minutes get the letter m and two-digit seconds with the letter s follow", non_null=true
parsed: 6h29
